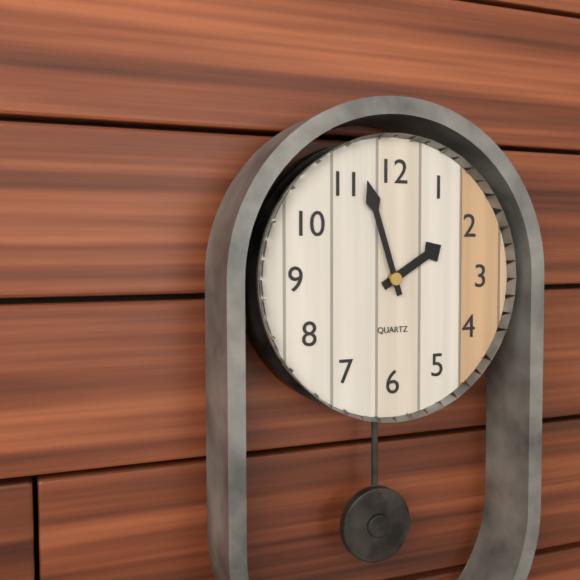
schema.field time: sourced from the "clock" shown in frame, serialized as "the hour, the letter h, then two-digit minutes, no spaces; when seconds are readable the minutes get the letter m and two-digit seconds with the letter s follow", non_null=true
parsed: 1h57
